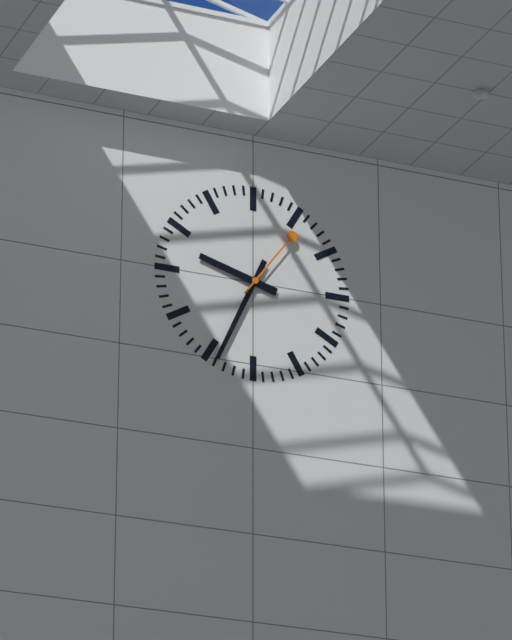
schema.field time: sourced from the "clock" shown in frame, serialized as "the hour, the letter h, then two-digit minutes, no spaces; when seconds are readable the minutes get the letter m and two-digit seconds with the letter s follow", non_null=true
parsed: 9h34m06s
